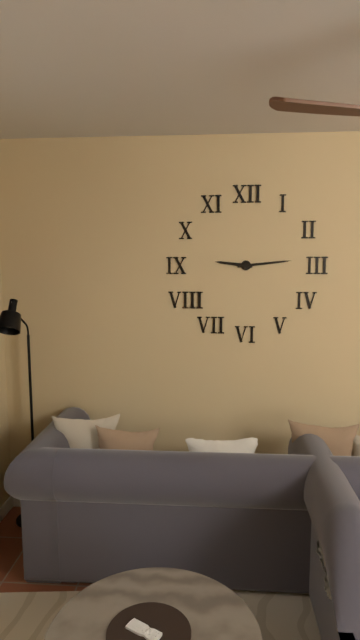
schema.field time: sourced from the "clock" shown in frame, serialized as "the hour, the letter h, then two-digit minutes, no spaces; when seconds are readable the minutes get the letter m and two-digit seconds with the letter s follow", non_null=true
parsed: 9h14
